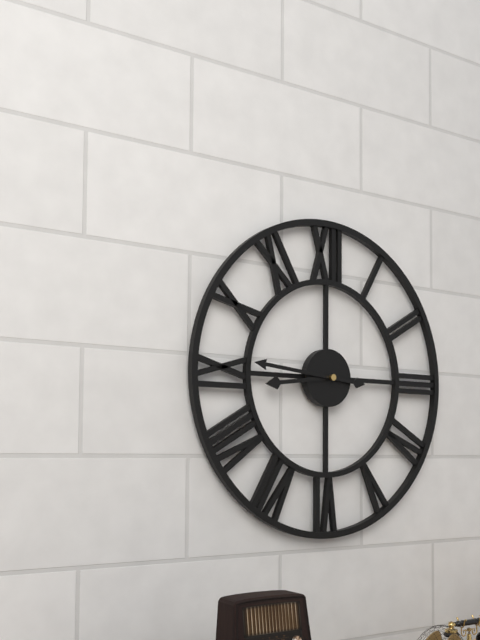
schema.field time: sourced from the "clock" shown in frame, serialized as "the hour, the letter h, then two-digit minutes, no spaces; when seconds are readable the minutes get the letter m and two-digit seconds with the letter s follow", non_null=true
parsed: 8h46
